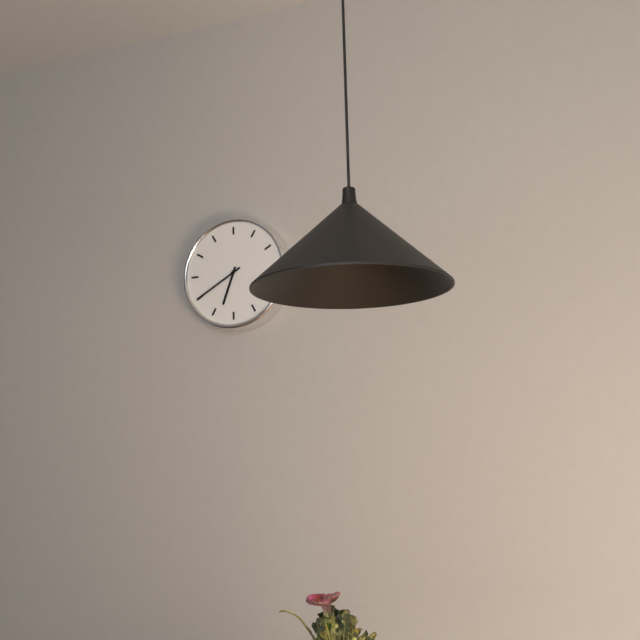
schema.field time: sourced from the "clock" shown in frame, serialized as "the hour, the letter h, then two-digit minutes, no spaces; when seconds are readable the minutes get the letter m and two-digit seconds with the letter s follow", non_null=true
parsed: 6h40
